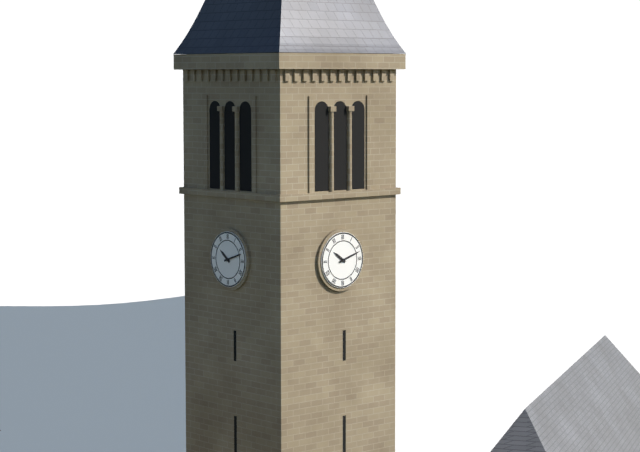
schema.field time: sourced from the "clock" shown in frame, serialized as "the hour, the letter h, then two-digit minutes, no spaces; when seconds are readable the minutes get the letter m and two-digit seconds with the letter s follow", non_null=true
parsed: 10h12
